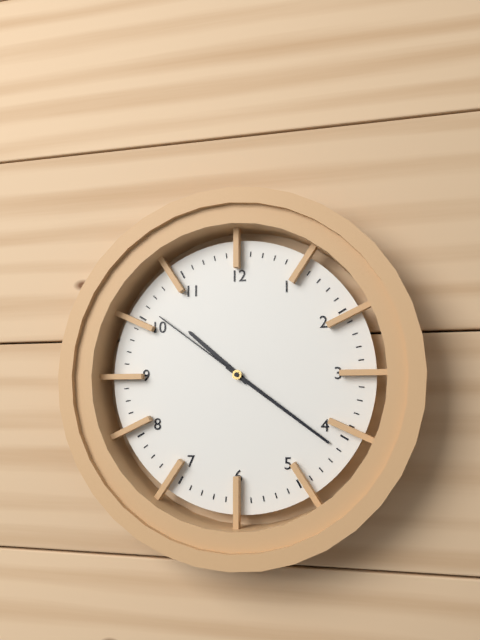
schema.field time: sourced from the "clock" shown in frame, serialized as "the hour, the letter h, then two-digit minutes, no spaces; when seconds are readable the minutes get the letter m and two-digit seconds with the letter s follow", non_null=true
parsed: 10h21m51s
